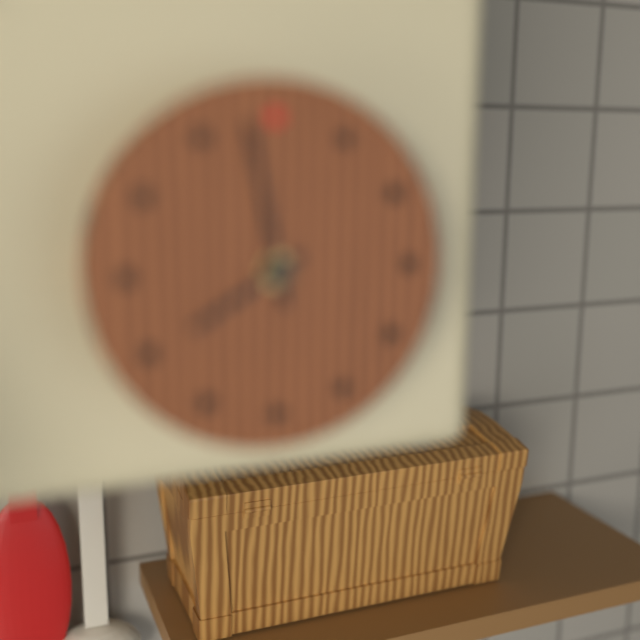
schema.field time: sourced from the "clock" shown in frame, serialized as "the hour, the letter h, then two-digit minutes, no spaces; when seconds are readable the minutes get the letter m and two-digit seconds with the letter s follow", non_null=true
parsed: 7h58
